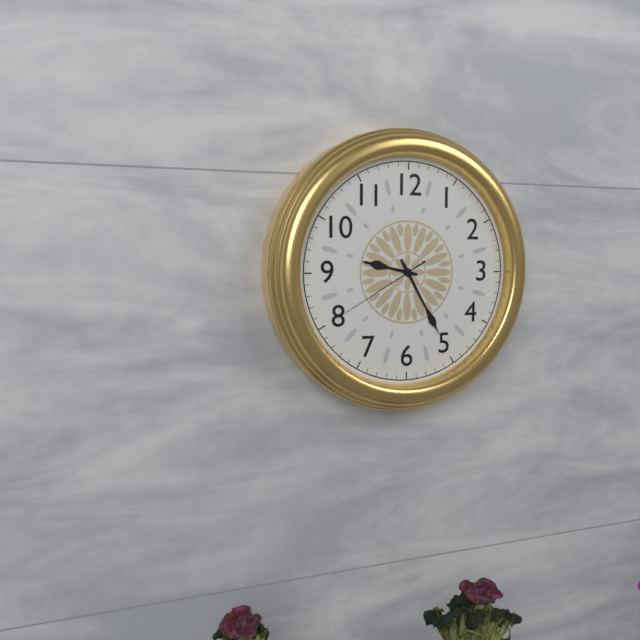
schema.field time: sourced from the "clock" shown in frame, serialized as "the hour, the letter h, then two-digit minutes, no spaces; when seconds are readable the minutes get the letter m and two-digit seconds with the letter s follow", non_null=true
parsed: 9h25m40s
